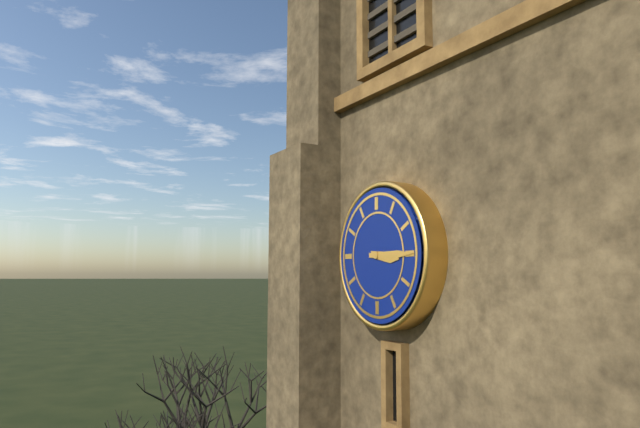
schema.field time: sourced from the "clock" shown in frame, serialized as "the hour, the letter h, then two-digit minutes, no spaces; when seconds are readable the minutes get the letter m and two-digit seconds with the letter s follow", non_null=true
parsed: 3h15
